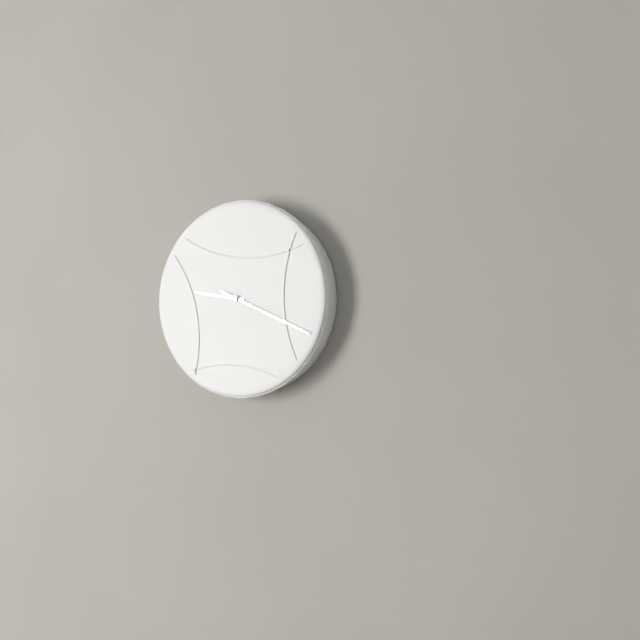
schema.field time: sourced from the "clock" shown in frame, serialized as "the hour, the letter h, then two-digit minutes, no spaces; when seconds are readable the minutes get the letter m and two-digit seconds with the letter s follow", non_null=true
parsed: 9h19
